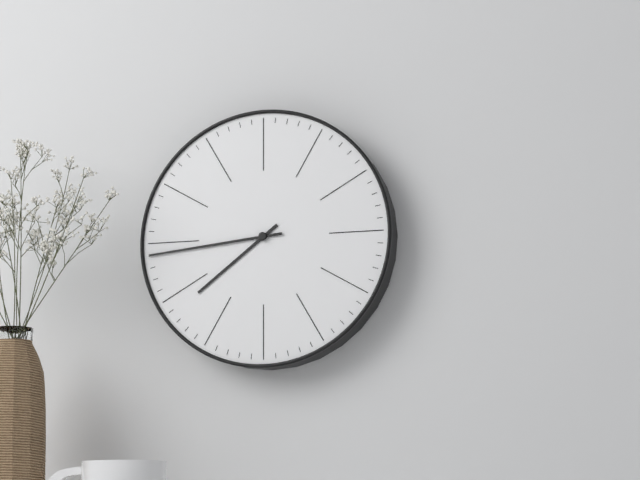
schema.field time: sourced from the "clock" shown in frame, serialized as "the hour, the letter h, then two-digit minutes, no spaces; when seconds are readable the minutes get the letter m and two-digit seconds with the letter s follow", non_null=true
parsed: 7h44
